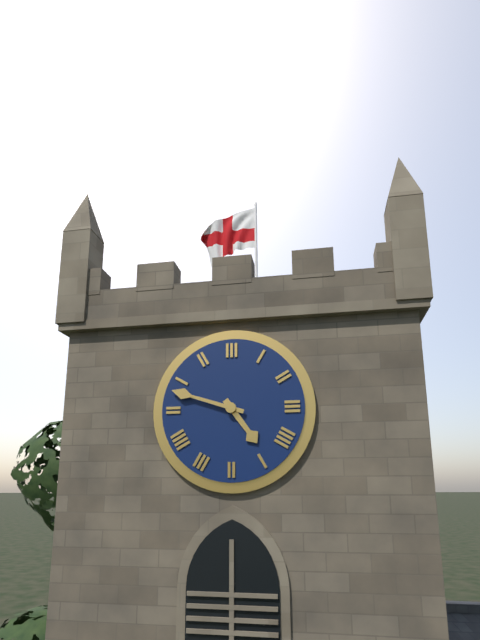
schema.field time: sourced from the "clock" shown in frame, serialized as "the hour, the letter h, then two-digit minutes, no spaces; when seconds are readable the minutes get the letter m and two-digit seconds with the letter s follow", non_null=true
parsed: 4h48
